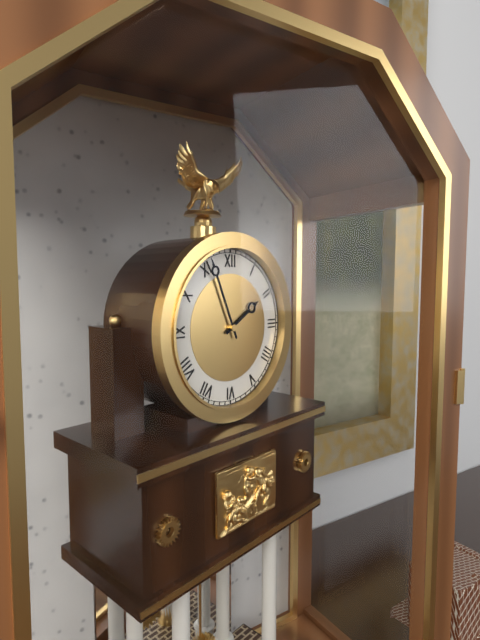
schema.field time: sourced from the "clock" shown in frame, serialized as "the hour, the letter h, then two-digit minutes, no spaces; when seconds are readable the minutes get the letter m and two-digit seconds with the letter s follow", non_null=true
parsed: 1h56
